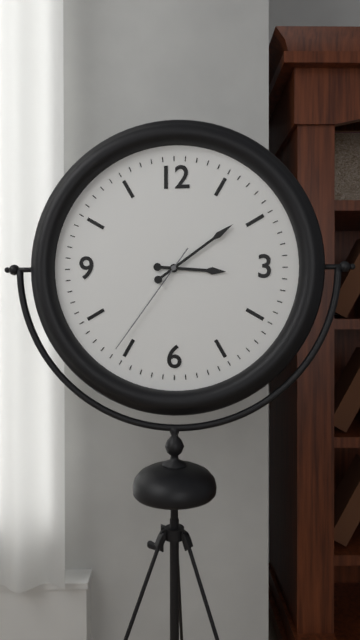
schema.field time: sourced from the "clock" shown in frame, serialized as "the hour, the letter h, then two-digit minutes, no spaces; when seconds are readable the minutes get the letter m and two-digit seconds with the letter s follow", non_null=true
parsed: 3h09m36s
